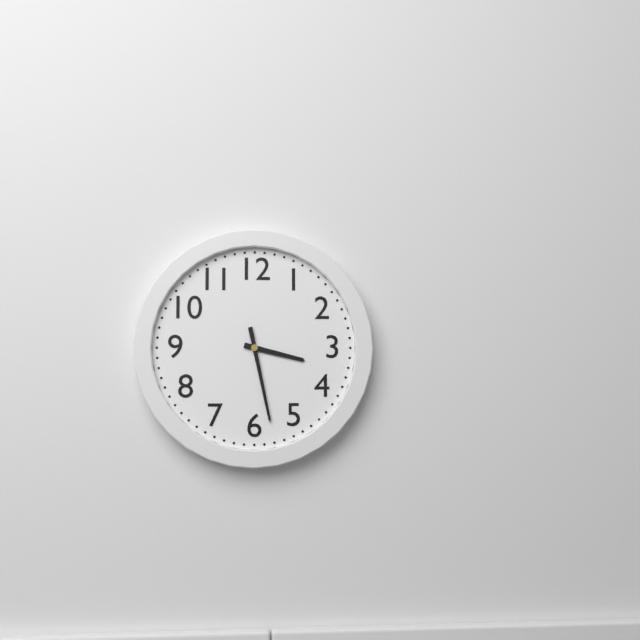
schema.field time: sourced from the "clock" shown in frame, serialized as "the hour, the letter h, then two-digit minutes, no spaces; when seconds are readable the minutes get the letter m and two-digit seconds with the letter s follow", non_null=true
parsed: 3h28
